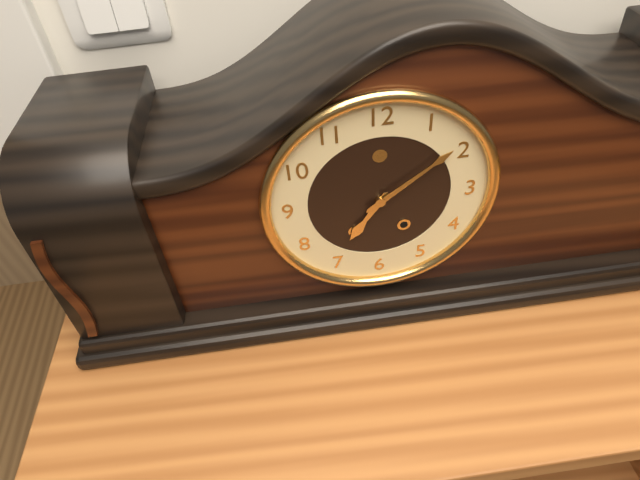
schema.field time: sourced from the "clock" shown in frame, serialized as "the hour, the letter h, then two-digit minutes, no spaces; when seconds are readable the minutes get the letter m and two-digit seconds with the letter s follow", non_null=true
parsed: 7h09
